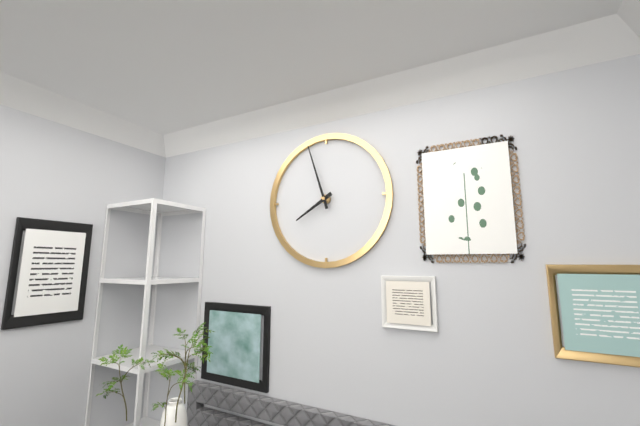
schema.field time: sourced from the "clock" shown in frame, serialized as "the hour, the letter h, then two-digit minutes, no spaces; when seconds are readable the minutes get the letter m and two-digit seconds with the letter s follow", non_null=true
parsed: 7h57
